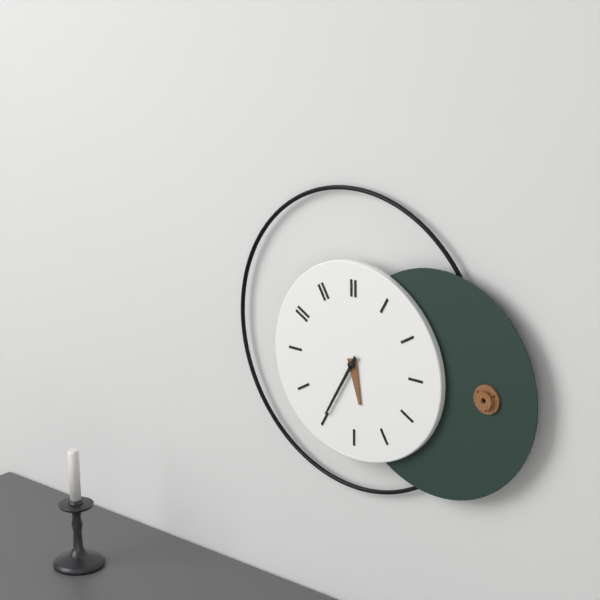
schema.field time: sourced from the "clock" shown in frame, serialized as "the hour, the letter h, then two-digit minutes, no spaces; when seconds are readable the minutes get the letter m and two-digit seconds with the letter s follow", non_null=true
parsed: 5h35
